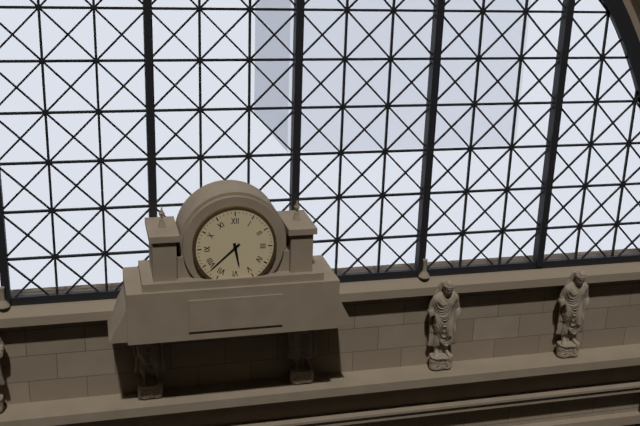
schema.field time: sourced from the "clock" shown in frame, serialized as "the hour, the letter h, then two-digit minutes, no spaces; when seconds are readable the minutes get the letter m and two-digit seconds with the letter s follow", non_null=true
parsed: 5h38
